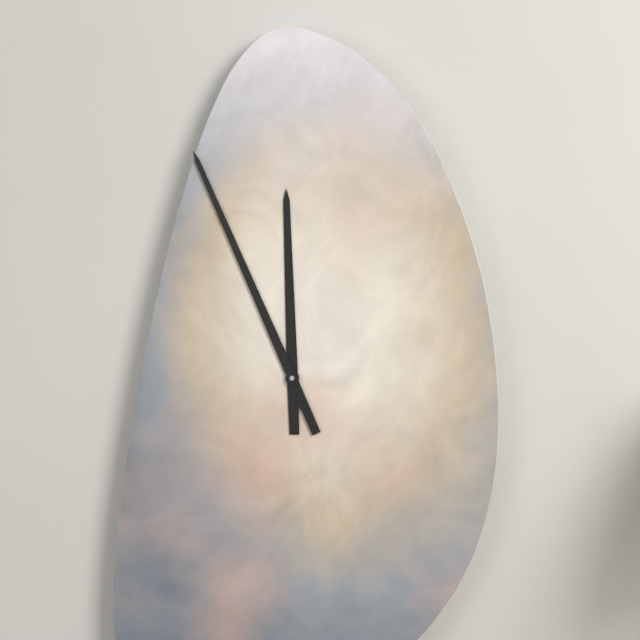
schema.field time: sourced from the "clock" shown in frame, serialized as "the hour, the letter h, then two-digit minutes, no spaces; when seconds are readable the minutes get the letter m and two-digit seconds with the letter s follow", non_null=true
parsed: 11h56
